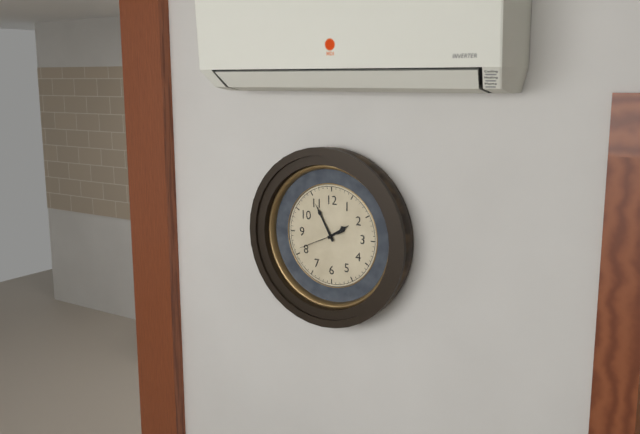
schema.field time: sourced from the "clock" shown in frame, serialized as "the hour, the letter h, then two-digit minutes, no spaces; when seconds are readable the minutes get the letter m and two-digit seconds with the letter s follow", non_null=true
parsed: 1h55
